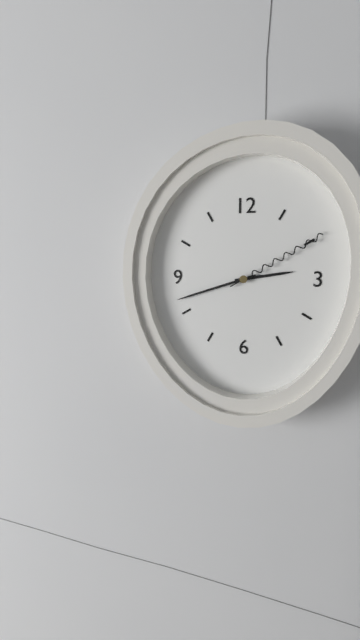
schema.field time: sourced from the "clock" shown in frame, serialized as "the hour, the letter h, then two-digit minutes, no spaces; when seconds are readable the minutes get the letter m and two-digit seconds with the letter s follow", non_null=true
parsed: 2h42m10s
